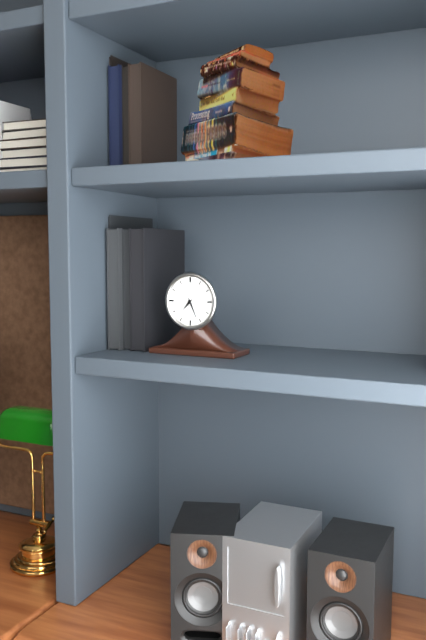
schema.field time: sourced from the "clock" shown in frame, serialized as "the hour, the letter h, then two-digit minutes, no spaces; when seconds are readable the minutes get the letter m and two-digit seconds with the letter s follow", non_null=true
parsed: 7h26
